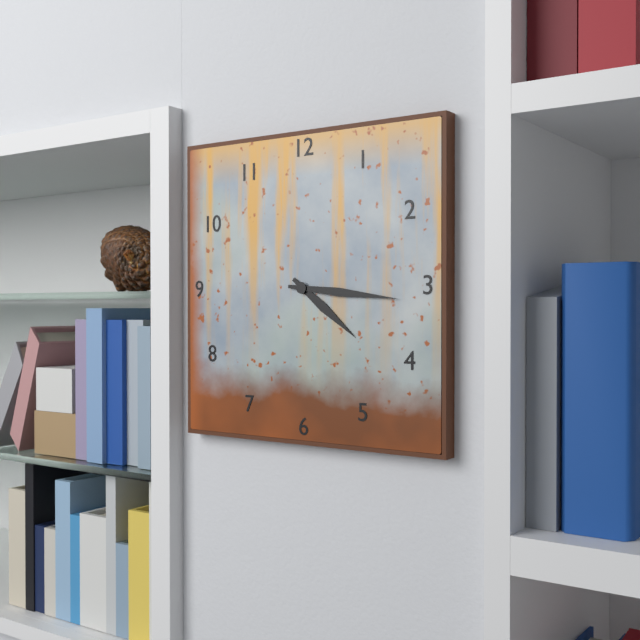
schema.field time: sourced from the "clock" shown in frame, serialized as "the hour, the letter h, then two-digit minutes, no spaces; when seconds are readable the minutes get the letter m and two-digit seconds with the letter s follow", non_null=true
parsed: 4h16
